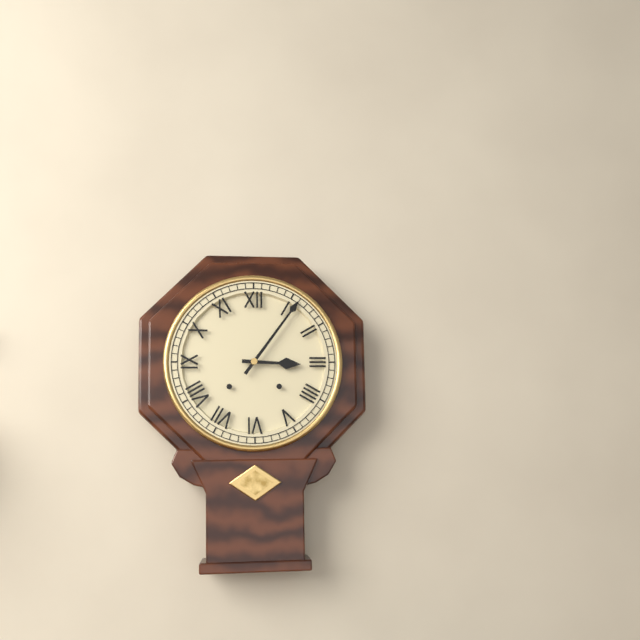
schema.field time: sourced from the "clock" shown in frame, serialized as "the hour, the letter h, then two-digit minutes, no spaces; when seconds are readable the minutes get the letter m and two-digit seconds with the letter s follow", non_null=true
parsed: 3h06
